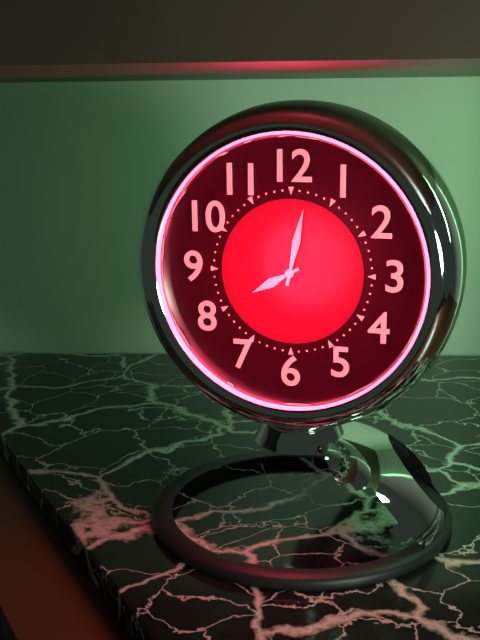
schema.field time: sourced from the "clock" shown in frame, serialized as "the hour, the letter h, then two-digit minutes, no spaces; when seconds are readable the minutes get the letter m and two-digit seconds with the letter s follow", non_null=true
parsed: 8h02
